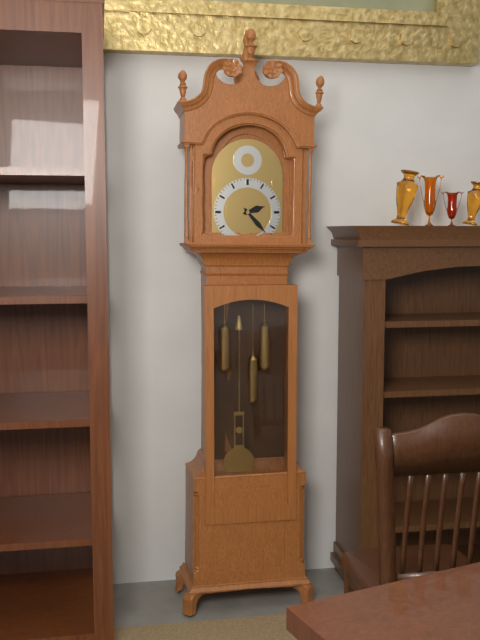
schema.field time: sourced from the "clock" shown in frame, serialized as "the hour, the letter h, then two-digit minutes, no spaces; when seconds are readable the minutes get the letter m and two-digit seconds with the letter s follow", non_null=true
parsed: 2h23
